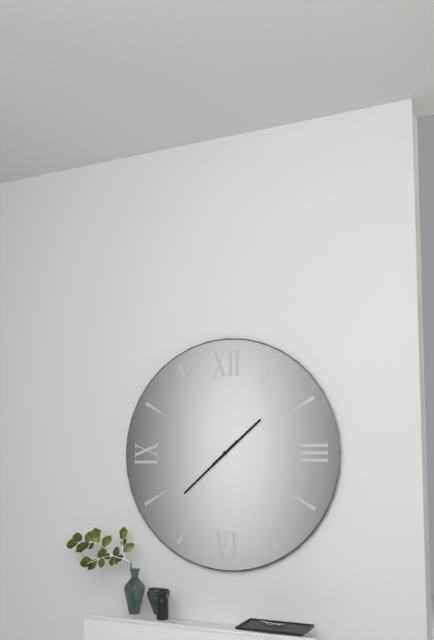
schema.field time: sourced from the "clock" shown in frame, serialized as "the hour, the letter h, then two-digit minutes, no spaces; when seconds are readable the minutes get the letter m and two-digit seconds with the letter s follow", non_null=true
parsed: 1h38
